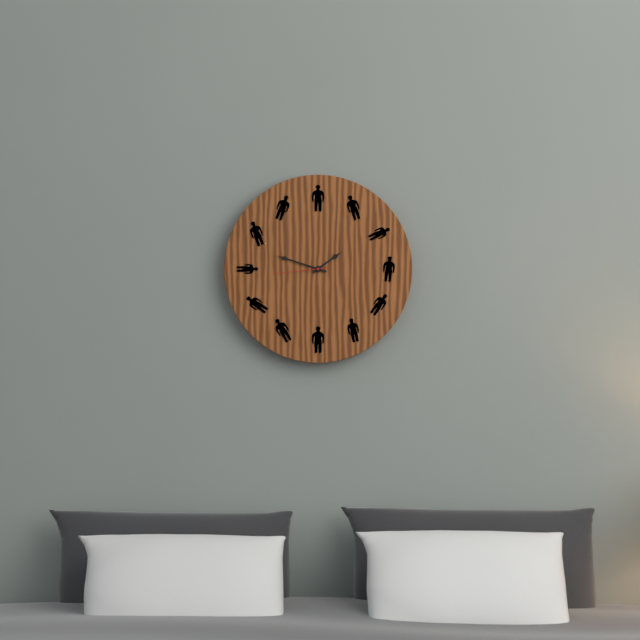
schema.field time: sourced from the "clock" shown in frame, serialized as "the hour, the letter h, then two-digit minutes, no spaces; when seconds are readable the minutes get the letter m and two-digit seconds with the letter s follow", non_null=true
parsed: 1h48m44s
